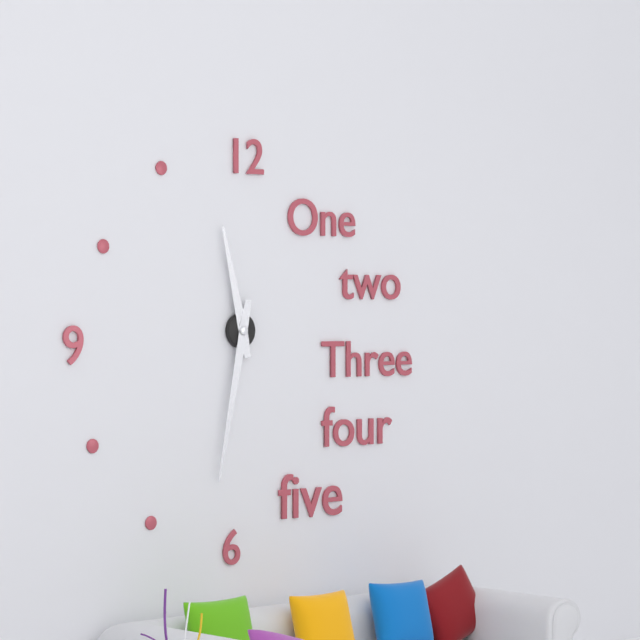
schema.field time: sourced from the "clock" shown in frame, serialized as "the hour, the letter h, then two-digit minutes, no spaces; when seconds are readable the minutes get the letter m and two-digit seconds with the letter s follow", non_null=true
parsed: 11h32
